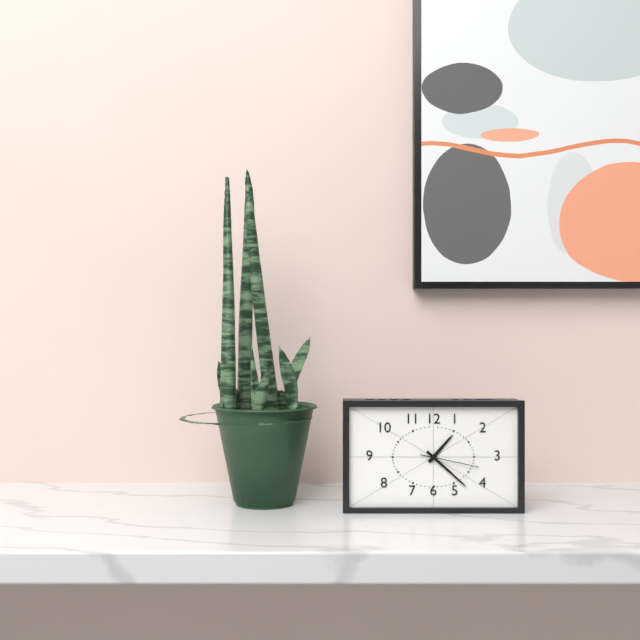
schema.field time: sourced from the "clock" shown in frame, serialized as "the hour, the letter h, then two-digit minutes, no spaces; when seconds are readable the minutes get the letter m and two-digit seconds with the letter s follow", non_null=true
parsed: 1h22m17s
